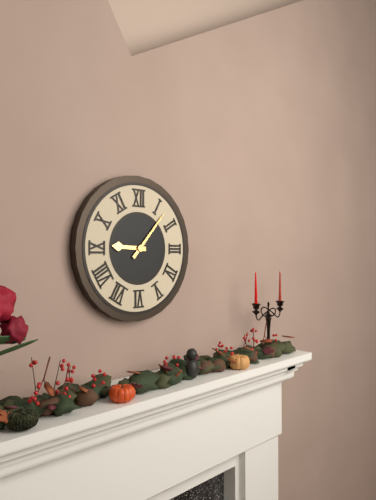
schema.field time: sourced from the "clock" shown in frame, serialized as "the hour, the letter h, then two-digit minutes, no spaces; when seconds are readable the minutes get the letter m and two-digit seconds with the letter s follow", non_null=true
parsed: 9h07
